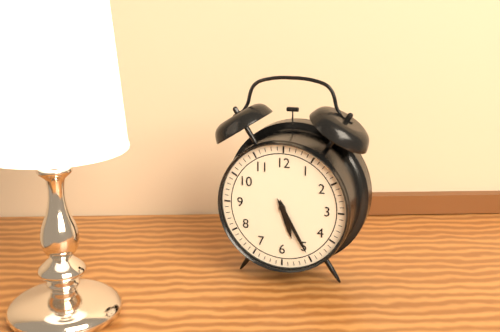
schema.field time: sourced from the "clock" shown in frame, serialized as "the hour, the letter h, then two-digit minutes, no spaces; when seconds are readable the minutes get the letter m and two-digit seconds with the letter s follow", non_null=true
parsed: 5h25
